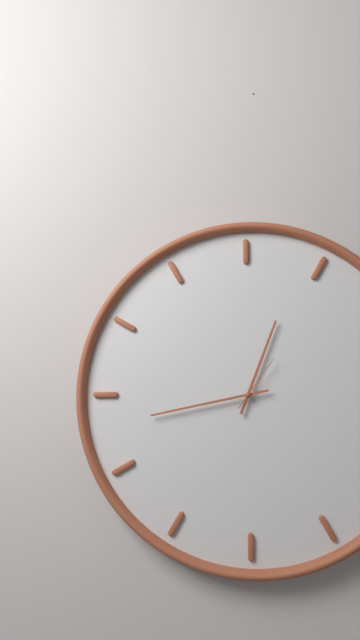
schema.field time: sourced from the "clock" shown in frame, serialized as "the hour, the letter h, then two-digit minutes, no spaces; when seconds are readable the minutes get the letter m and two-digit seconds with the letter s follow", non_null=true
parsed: 12h43m06s
